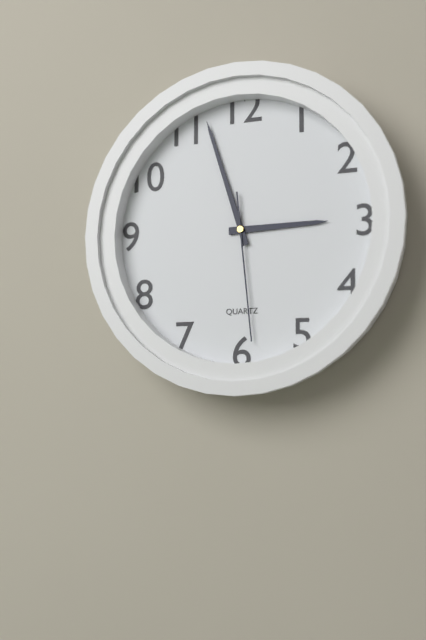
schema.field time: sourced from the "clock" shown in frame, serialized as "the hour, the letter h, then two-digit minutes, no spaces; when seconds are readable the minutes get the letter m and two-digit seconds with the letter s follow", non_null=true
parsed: 2h57m29s
